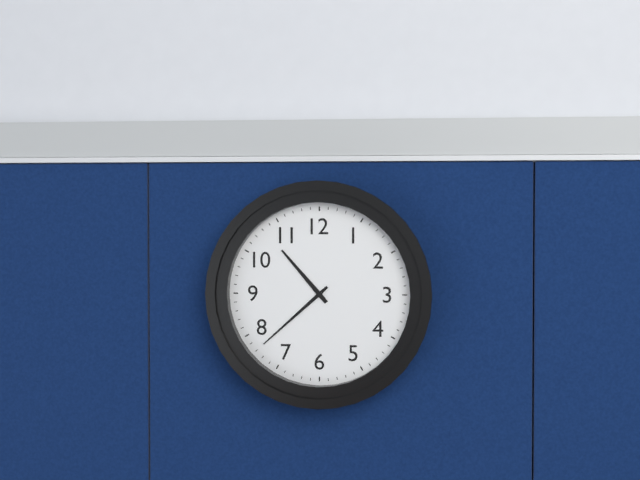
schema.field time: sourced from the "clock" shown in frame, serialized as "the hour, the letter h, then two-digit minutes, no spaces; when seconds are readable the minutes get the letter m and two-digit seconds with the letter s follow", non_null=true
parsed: 10h38
